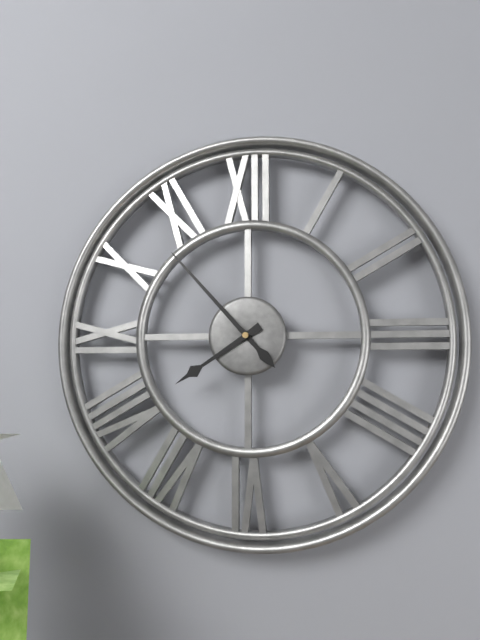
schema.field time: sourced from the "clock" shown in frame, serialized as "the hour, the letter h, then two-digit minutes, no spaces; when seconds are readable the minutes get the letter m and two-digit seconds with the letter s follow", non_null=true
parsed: 7h53
